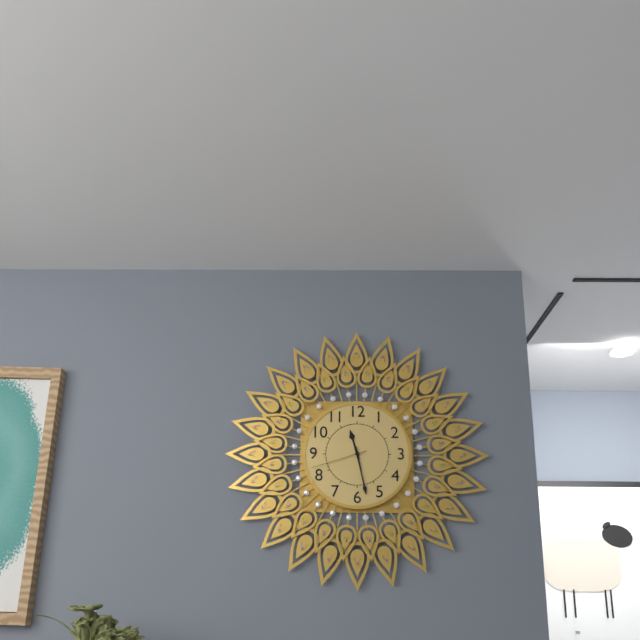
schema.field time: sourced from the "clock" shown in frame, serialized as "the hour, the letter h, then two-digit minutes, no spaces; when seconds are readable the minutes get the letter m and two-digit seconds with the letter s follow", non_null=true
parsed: 11h28m42s
